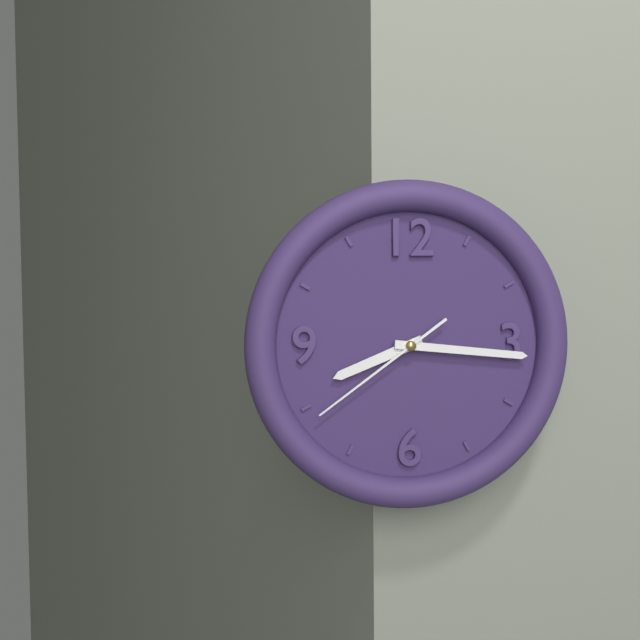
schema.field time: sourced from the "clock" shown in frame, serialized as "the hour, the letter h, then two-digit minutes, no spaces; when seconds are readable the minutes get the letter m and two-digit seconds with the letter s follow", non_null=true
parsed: 8h16m39s
